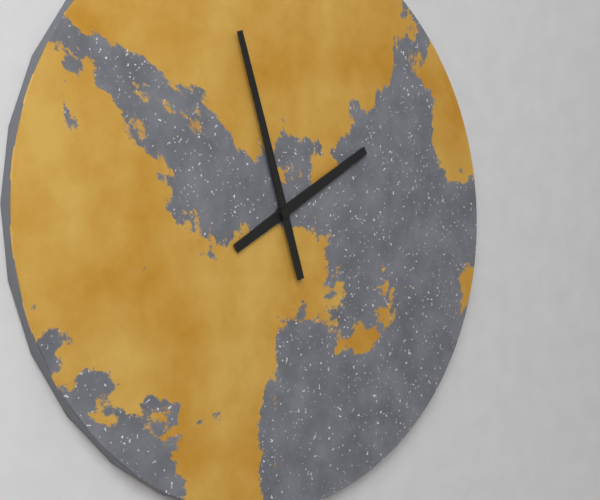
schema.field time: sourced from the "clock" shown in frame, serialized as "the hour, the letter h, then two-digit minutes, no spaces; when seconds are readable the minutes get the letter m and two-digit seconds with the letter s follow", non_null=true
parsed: 1h57
